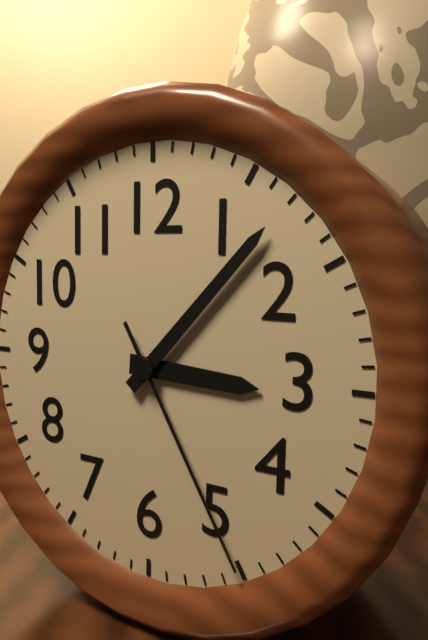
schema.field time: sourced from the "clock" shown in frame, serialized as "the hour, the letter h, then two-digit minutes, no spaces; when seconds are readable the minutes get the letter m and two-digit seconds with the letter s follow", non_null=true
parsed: 3h07m25s
